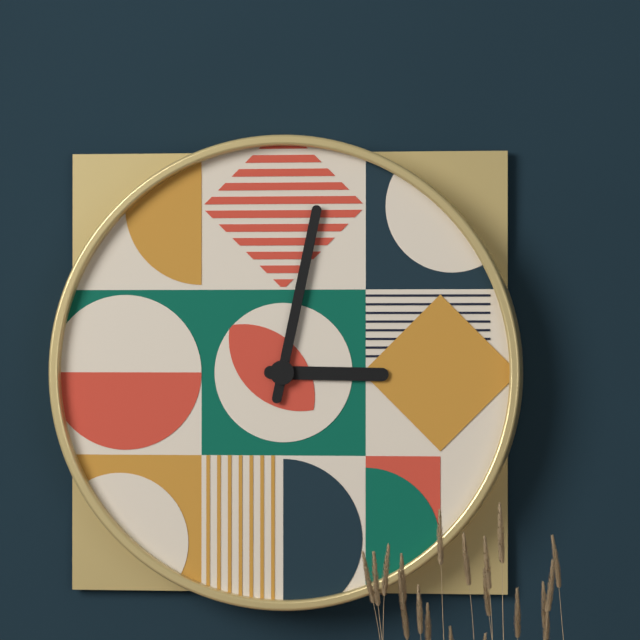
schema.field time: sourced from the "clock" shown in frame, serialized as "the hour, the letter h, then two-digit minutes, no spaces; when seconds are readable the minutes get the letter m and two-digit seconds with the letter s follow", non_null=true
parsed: 3h02
